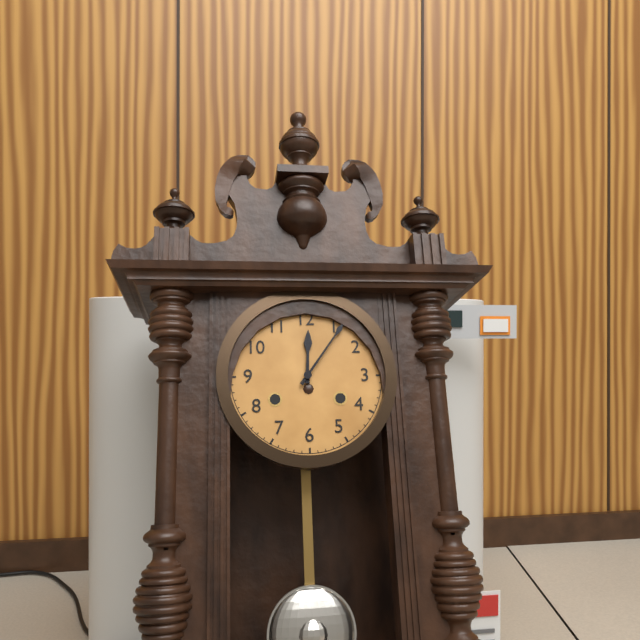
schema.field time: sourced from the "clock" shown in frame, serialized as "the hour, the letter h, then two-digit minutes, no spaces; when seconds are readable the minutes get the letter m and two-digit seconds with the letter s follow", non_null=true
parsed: 12h06
